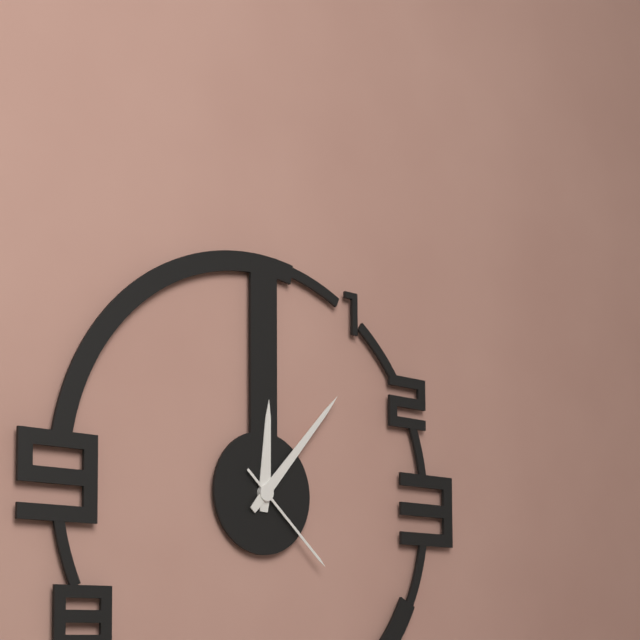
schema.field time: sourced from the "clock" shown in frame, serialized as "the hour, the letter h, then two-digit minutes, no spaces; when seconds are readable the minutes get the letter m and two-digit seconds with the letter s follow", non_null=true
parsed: 12h07m22s
